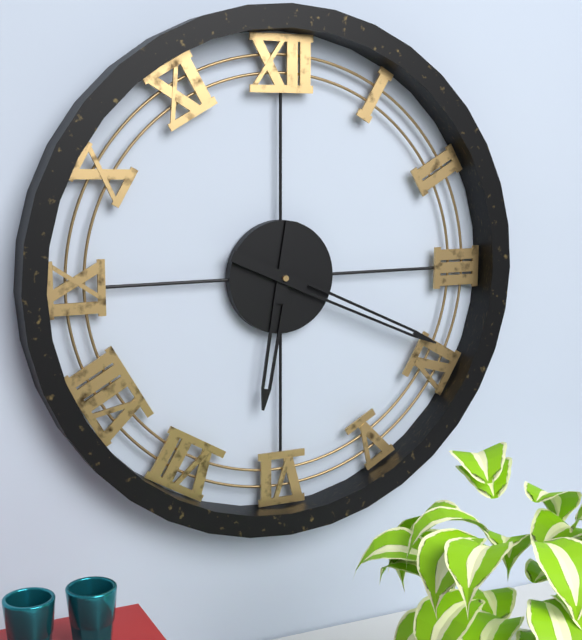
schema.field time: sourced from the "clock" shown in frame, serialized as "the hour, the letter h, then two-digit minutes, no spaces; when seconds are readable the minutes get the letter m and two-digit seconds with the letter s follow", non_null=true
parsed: 6h19
